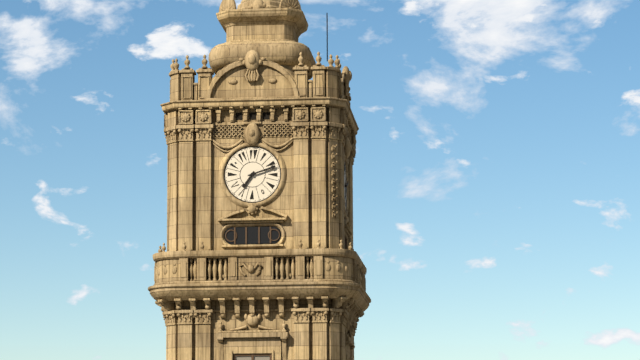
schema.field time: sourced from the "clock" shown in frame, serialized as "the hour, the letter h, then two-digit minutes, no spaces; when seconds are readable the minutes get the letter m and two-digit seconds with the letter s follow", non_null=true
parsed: 7h12
